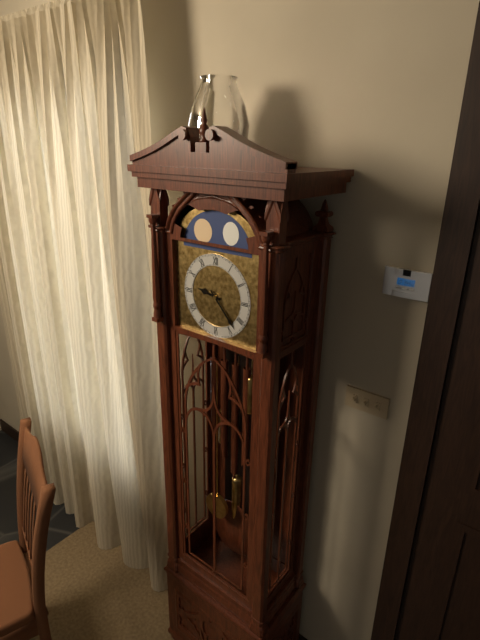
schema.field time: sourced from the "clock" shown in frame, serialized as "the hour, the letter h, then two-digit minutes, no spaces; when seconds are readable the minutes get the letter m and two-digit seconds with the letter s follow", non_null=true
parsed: 9h23
